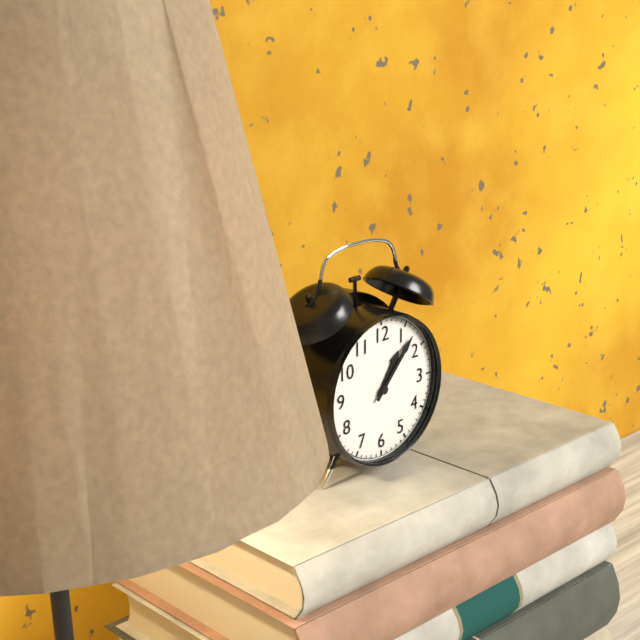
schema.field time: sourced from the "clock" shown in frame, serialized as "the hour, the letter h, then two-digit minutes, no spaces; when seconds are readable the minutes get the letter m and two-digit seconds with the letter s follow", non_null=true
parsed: 1h07
